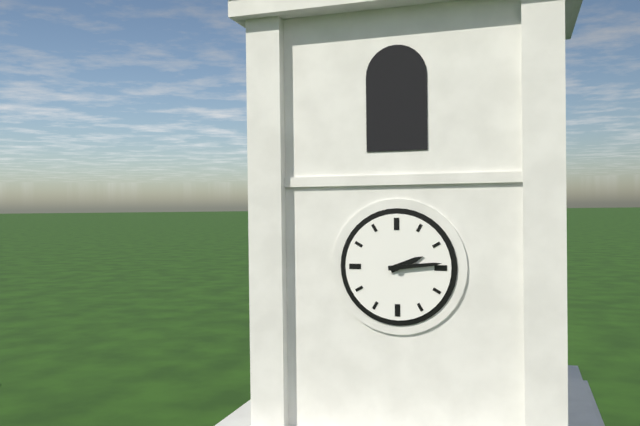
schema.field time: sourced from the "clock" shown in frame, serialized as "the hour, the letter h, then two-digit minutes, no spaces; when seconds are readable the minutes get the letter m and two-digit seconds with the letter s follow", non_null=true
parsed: 2h14
